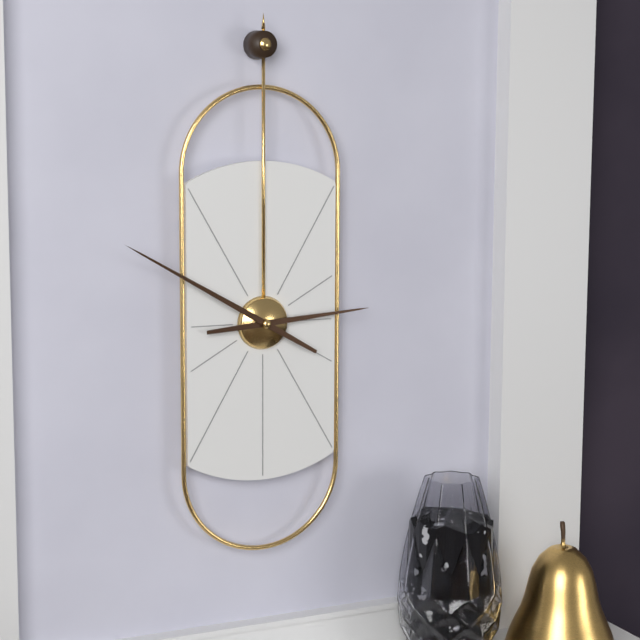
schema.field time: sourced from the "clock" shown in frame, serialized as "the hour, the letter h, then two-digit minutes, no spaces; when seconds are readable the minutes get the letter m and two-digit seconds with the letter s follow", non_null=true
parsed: 2h50
